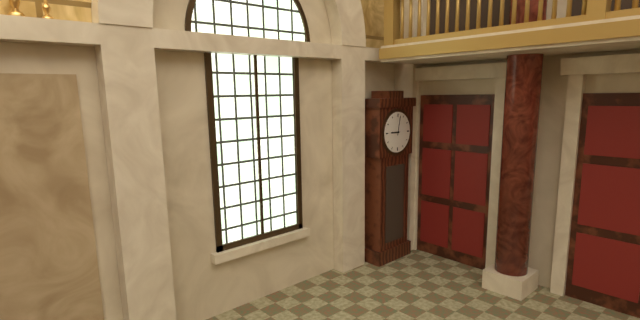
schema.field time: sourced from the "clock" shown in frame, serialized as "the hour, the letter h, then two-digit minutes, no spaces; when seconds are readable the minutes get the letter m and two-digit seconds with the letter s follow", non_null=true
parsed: 9h02
